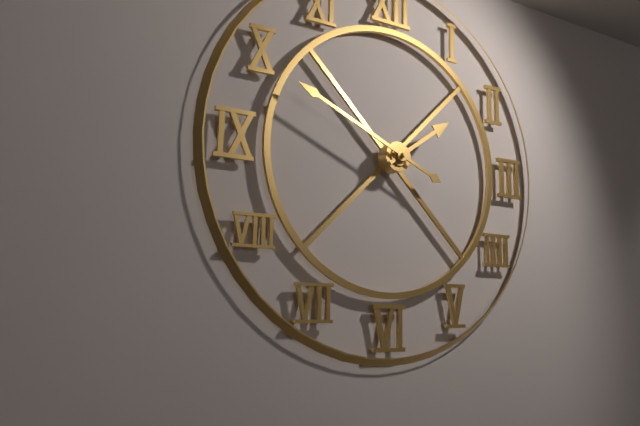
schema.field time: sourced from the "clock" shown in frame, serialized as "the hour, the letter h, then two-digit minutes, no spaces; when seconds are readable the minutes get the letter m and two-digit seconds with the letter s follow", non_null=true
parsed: 1h49
